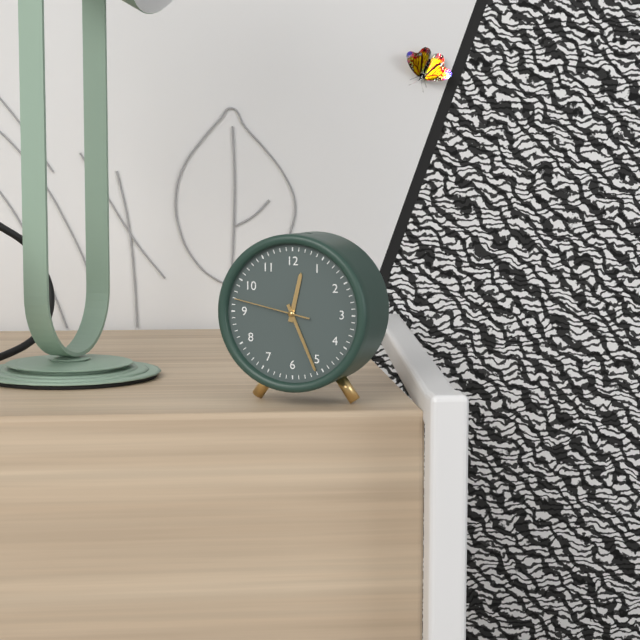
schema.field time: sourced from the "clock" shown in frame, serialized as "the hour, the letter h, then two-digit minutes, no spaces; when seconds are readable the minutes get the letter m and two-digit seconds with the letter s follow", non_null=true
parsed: 12h26m47s
